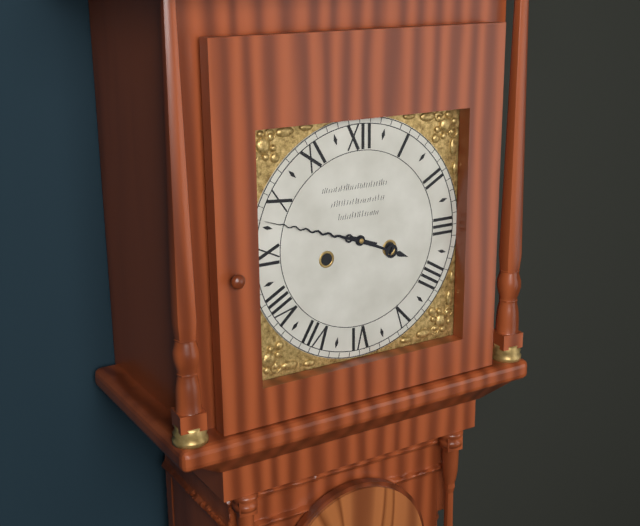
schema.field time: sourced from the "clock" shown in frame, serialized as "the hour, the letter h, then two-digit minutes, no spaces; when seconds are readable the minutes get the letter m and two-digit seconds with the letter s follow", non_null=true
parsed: 3h48
